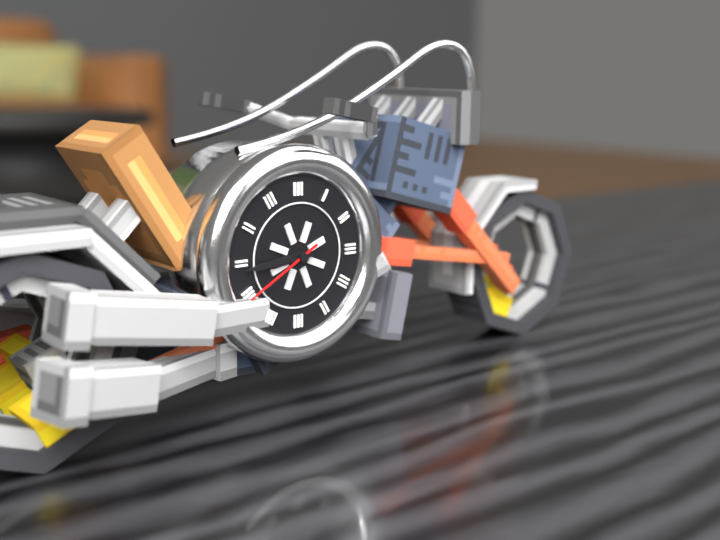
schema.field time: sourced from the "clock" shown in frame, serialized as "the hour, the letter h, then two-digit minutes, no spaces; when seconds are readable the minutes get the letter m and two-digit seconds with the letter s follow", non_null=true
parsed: 8h44m40s
